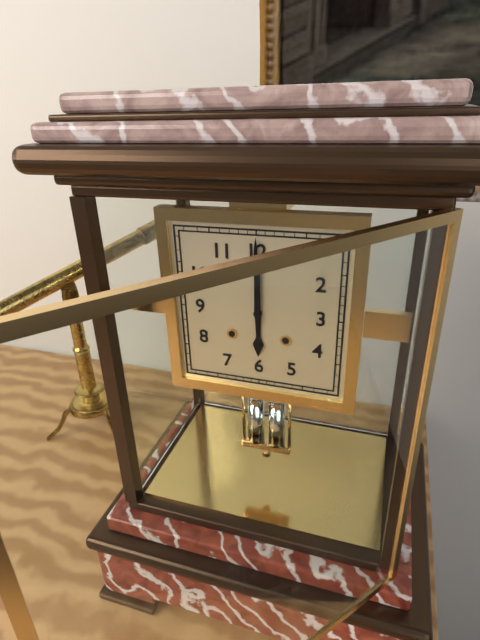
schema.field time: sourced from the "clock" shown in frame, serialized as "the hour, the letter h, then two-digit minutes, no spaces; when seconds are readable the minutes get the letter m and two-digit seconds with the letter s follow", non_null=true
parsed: 6h00
